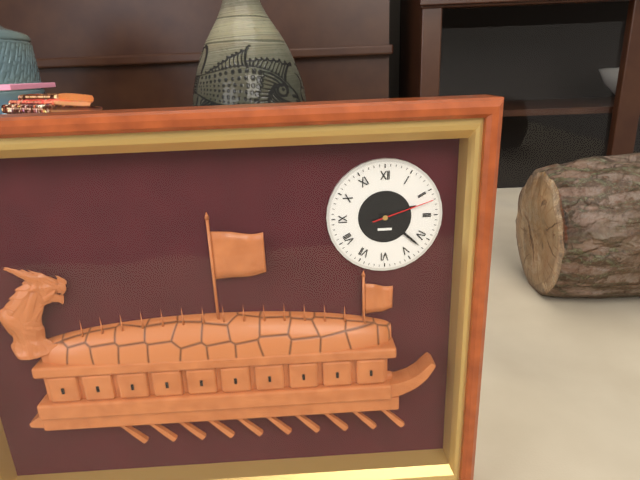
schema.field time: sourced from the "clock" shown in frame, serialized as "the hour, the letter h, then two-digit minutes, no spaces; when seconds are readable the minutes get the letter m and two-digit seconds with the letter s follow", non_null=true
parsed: 2h22m12s
